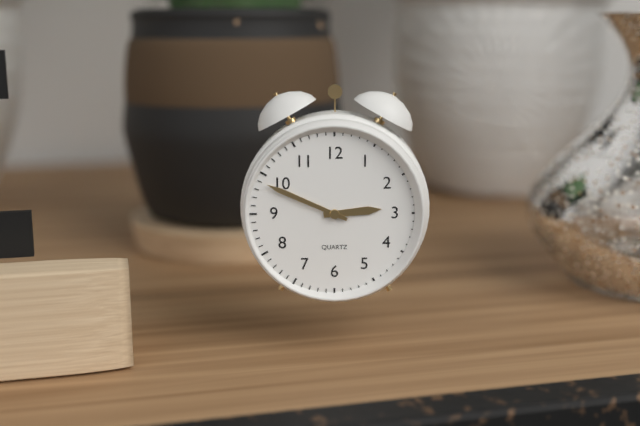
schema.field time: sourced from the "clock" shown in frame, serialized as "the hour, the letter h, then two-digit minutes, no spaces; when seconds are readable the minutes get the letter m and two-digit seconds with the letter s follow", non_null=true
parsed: 2h49
